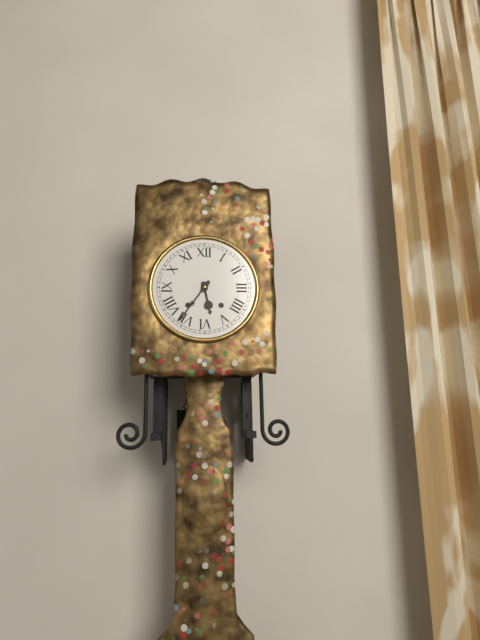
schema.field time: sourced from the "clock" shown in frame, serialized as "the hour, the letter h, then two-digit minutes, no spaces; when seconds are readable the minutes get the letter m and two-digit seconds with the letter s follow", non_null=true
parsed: 5h36
